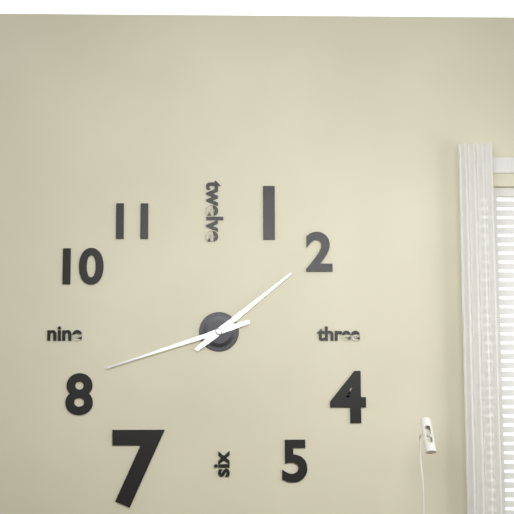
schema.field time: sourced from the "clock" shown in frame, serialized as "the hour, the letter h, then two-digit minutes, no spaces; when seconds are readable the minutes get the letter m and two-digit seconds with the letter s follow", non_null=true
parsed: 1h42
